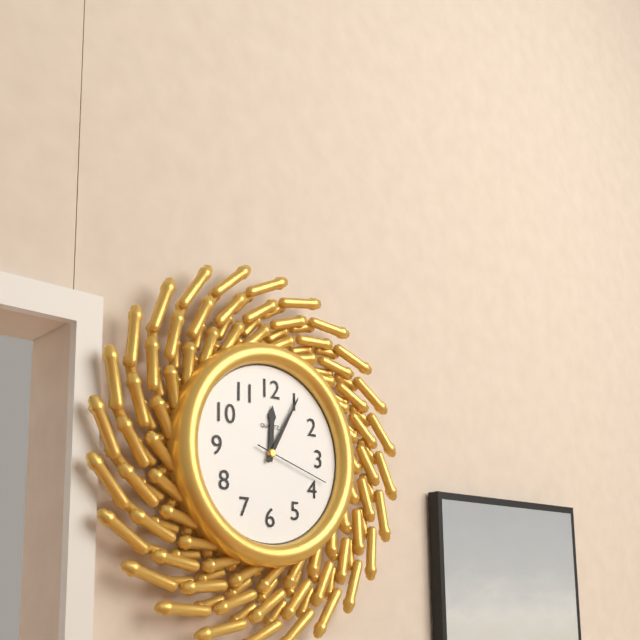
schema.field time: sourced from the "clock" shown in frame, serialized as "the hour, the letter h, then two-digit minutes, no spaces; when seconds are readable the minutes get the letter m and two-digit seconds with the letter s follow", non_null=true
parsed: 12h05m18s
